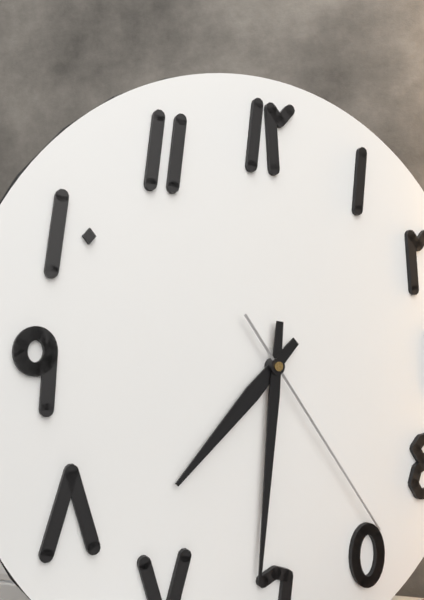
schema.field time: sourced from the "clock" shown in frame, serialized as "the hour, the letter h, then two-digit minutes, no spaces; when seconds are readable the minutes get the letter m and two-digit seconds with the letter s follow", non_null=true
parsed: 7h31m24s
